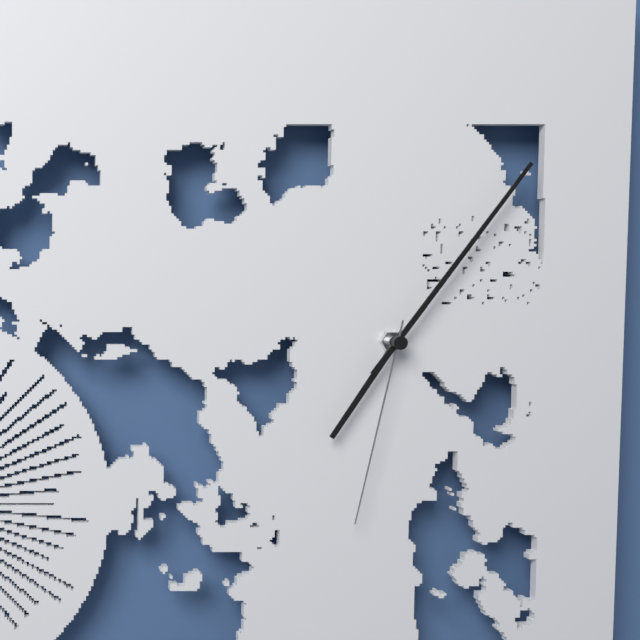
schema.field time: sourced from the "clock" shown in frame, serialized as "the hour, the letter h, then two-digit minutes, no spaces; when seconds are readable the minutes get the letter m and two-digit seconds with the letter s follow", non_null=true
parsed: 7h06m32s
